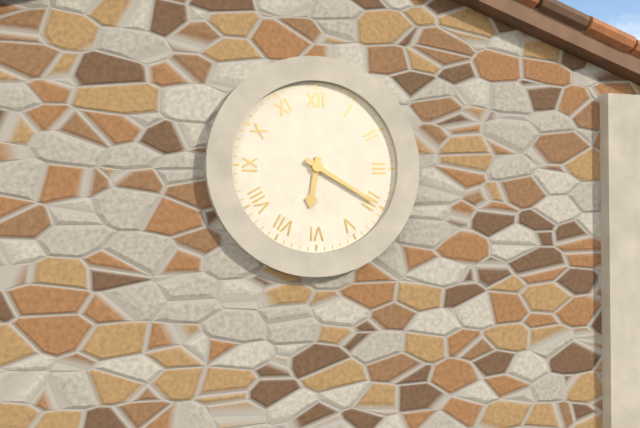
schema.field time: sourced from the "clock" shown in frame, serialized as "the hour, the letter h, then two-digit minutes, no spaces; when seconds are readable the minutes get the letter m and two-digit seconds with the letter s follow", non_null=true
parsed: 6h20
